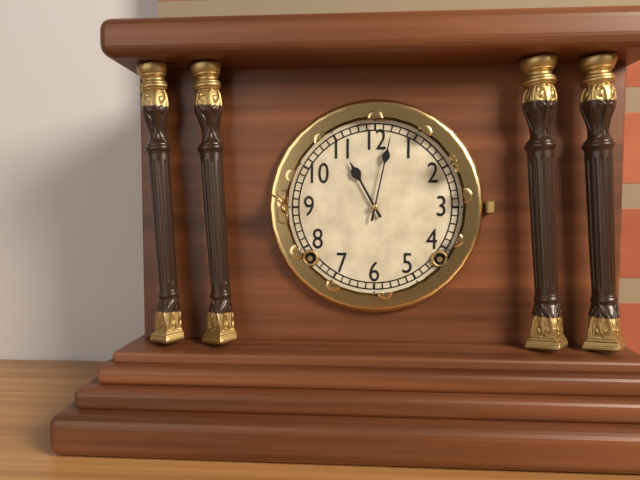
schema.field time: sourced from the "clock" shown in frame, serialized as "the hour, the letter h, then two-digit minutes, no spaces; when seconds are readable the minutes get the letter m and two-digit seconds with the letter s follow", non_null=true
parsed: 11h02
